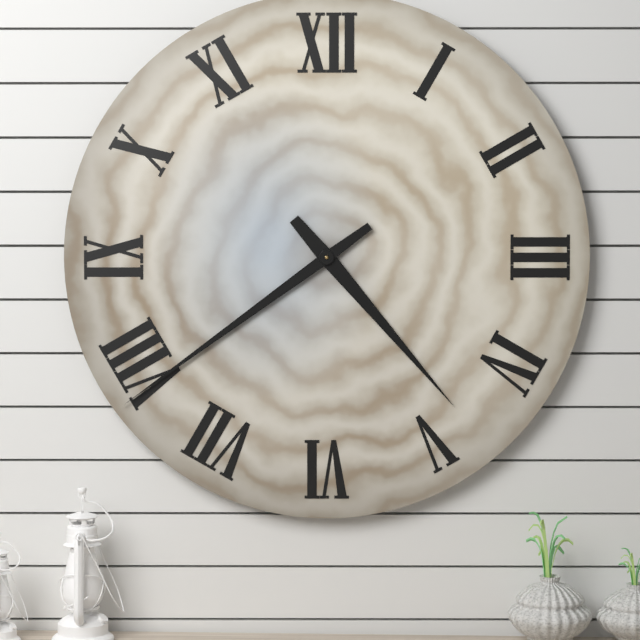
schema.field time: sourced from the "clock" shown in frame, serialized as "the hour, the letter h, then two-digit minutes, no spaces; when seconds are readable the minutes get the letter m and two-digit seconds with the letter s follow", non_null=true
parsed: 4h39
